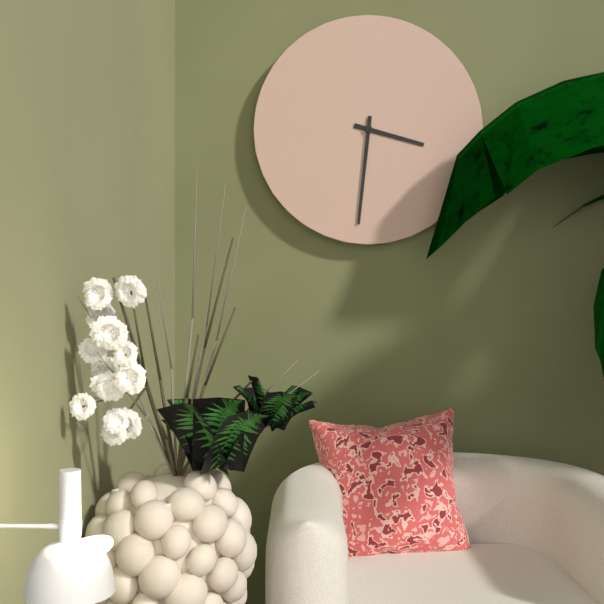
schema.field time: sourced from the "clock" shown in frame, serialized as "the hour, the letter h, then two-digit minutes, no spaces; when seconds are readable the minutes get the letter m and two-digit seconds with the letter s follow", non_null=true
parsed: 3h31
